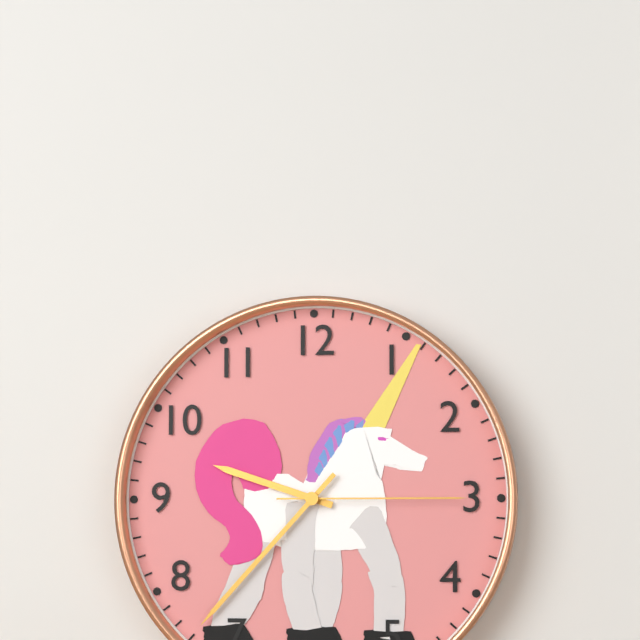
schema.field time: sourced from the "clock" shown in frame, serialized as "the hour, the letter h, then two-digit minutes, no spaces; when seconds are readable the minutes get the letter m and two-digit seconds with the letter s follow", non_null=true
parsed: 9h37m15s
